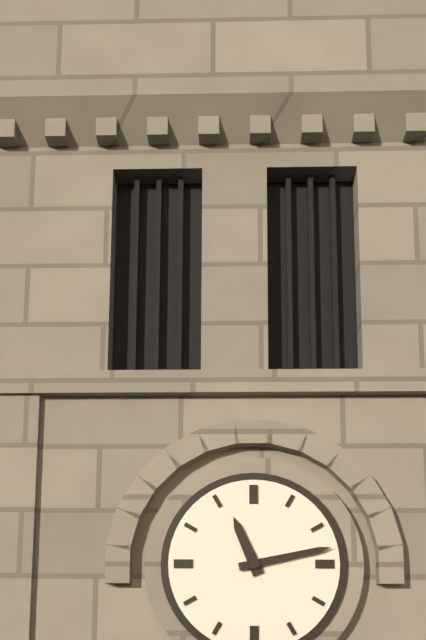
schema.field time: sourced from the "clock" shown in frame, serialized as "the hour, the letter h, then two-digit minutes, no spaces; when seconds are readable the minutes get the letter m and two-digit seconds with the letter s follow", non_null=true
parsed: 11h13
